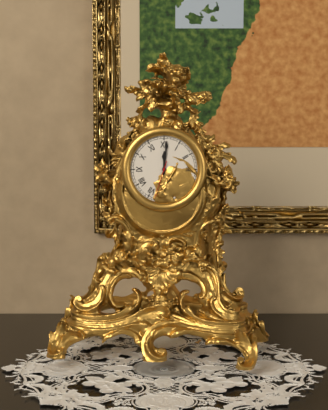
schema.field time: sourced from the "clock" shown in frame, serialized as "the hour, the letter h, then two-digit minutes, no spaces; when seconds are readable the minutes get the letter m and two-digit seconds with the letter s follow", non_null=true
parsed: 12h01
